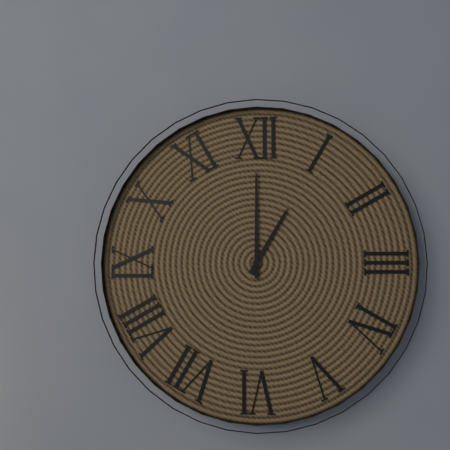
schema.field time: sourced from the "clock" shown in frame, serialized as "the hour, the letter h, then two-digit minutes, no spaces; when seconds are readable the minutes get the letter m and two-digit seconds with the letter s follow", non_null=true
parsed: 1h00
